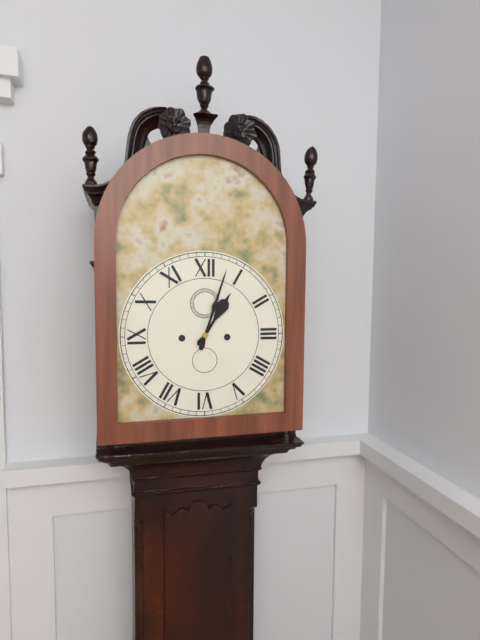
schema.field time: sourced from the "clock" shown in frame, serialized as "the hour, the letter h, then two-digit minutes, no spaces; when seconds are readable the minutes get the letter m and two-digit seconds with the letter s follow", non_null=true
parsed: 1h03
